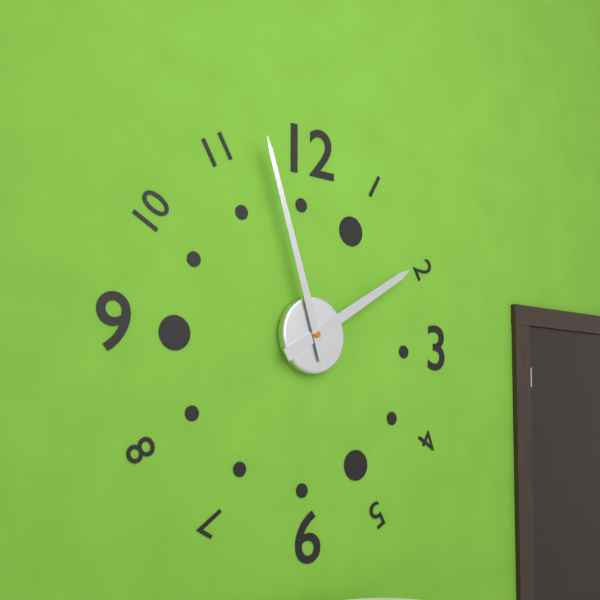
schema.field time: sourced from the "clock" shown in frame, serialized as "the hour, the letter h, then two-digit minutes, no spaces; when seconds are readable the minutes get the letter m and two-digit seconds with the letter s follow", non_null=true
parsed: 1h57
